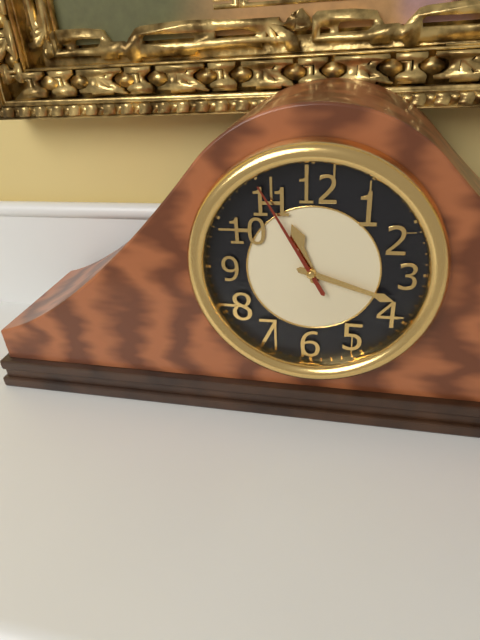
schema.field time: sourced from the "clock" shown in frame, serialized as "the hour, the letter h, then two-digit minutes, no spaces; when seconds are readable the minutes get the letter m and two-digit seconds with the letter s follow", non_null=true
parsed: 11h18m55s
